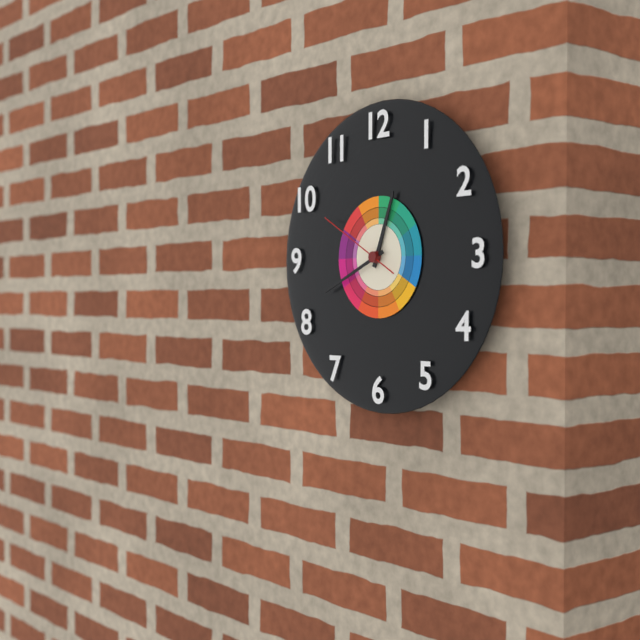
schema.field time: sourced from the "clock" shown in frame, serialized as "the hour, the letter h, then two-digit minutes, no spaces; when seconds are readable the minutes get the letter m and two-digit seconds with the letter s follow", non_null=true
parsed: 12h41m50s
